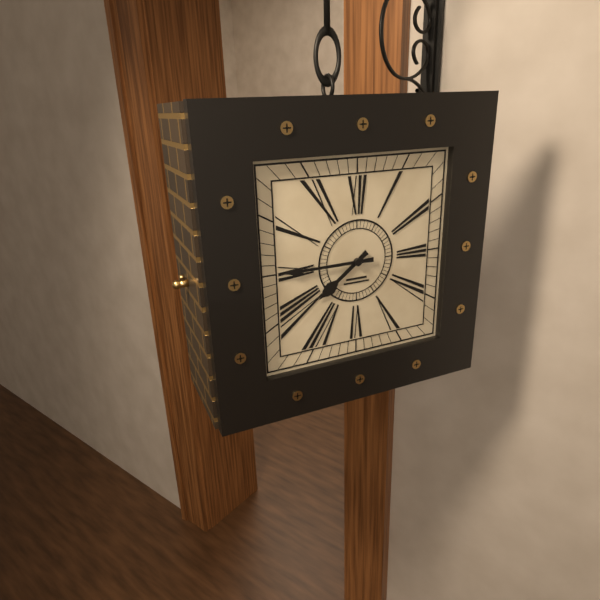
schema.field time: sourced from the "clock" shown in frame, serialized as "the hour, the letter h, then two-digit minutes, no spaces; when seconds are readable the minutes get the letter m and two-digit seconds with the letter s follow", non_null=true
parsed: 7h45
